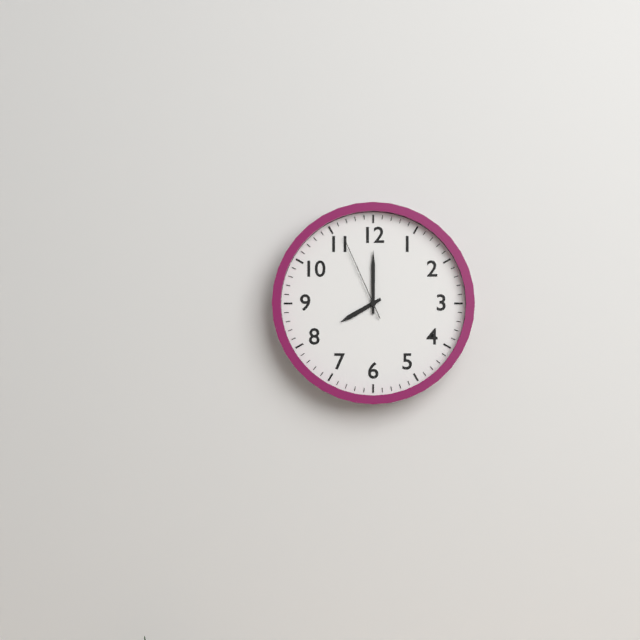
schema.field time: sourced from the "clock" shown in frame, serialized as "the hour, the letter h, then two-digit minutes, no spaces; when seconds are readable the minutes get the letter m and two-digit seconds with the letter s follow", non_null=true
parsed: 8h00m56s
